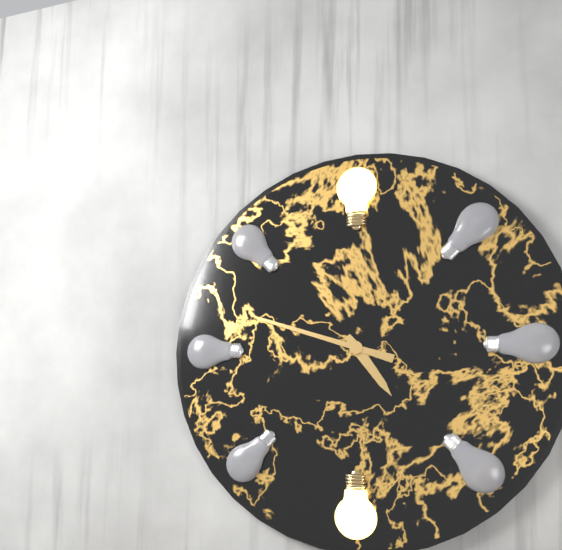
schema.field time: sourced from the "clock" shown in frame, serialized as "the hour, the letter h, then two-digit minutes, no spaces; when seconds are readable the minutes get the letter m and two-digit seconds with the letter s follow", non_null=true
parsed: 4h48
